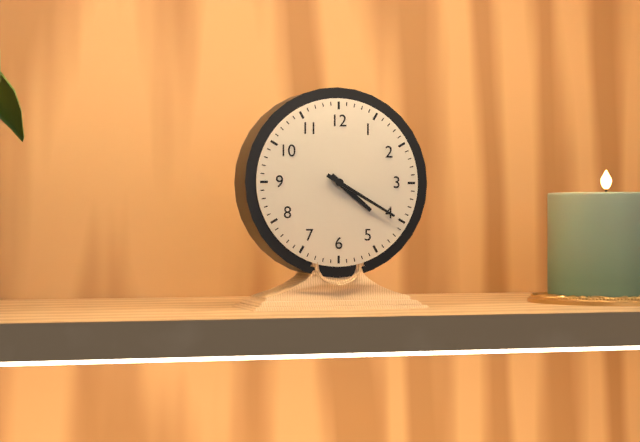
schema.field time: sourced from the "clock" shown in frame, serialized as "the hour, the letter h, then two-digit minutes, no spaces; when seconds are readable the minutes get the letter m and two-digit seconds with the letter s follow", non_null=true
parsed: 4h20
